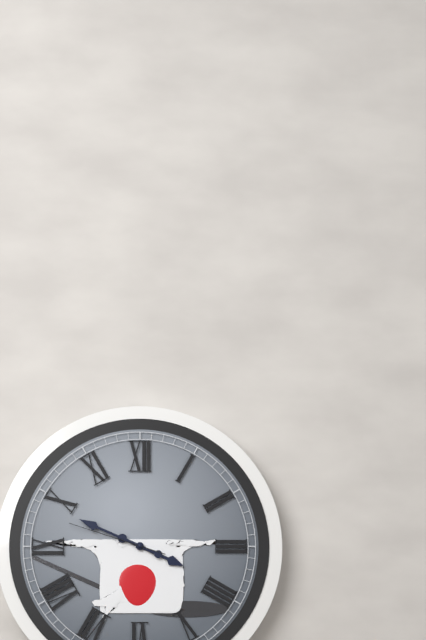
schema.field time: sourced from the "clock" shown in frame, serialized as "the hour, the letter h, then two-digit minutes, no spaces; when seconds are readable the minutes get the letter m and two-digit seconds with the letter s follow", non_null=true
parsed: 3h49m48s
